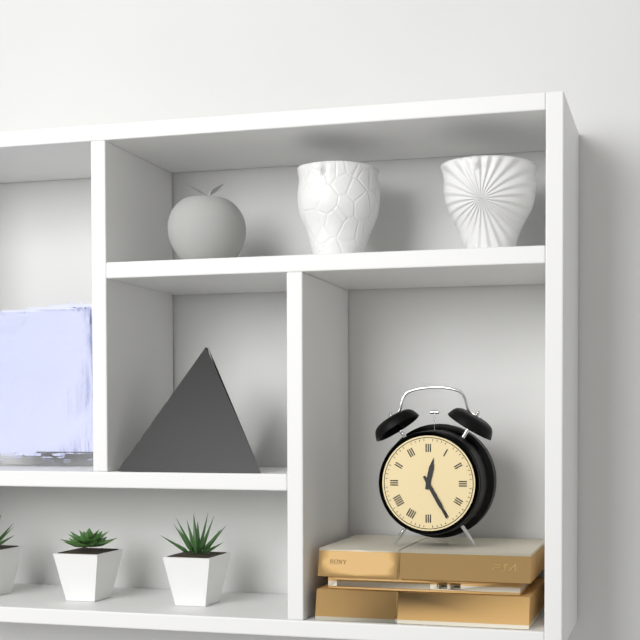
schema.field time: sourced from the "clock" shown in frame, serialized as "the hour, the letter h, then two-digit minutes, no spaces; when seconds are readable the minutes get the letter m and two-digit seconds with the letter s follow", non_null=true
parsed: 12h25
